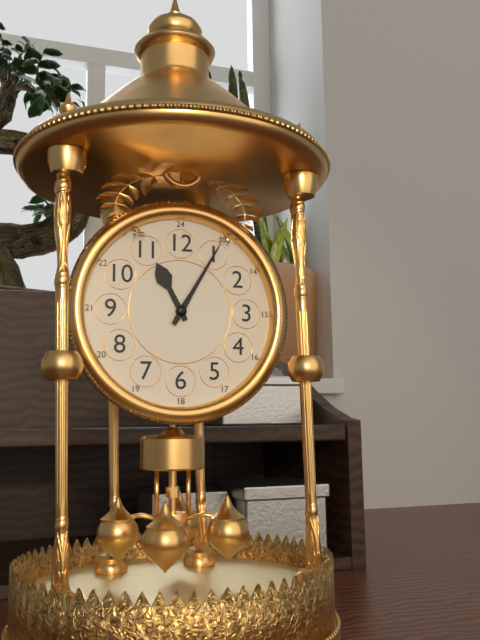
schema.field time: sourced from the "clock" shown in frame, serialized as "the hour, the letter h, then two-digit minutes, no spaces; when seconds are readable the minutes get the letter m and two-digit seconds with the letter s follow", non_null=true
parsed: 11h05
